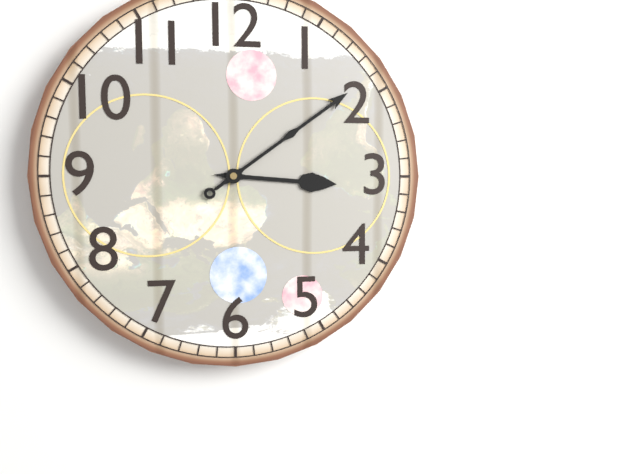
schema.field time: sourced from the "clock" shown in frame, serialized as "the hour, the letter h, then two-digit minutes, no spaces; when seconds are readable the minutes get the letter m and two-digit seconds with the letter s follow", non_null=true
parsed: 3h09
